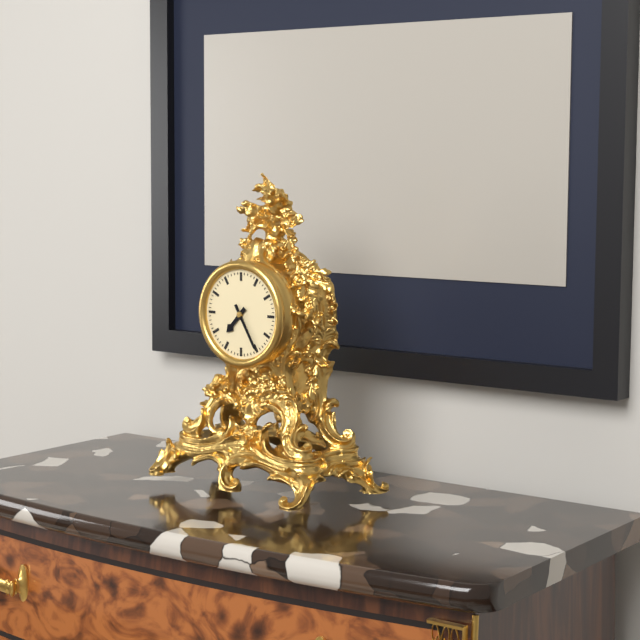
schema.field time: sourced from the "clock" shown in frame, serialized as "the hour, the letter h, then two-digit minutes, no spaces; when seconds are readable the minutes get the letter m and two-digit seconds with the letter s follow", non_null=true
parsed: 7h25
